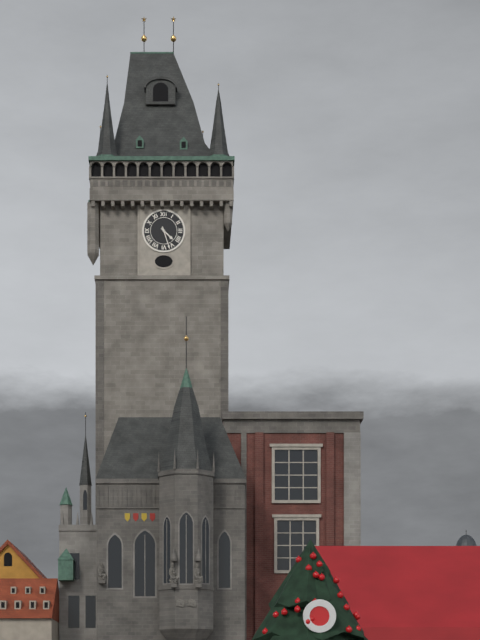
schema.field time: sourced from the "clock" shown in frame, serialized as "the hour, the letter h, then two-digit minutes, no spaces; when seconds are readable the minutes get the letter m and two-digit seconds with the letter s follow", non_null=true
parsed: 4h27
